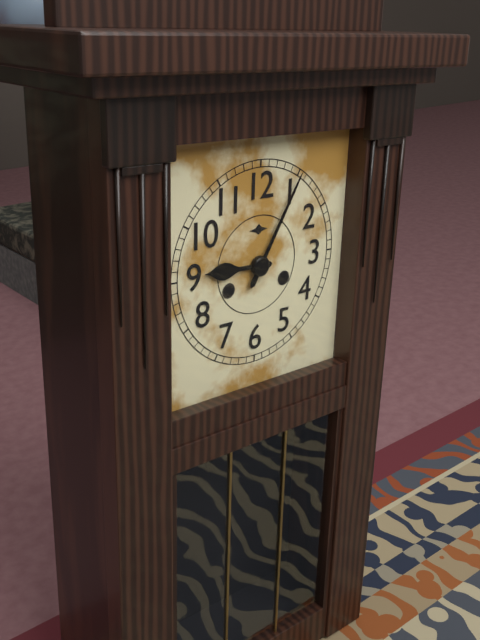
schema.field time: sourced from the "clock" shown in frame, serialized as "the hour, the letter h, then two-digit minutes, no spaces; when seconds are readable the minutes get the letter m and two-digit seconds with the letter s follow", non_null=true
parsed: 9h05
